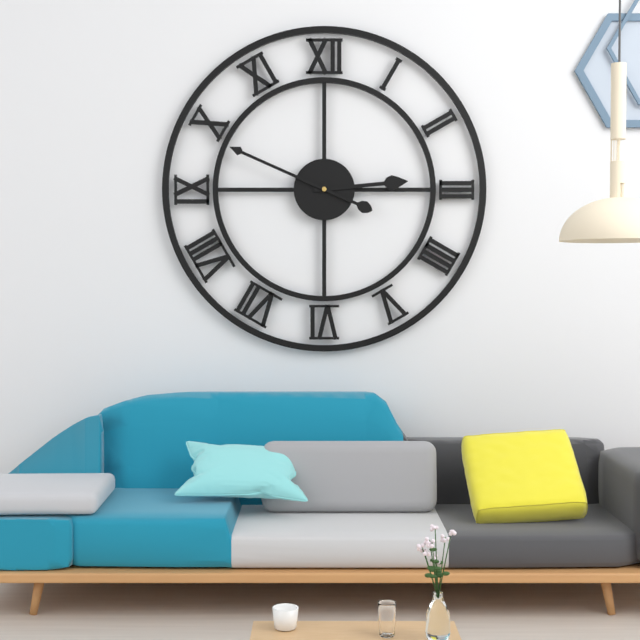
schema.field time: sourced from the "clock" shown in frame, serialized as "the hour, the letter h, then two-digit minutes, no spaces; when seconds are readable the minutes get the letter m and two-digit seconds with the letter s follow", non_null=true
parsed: 2h49
